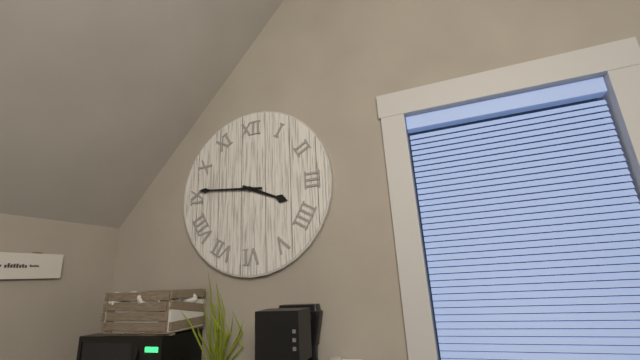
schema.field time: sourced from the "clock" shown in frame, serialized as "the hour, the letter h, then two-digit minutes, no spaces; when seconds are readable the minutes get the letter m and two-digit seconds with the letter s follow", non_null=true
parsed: 3h46
